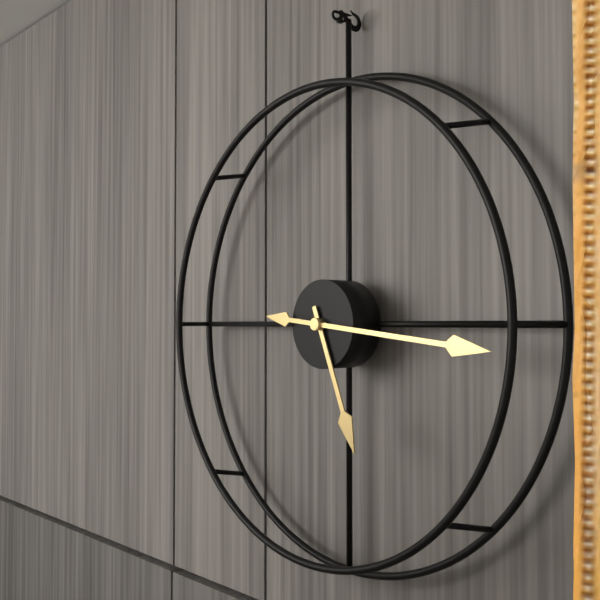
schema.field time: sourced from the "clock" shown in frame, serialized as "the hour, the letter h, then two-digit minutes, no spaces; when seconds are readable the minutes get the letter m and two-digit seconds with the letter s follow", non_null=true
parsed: 5h16
